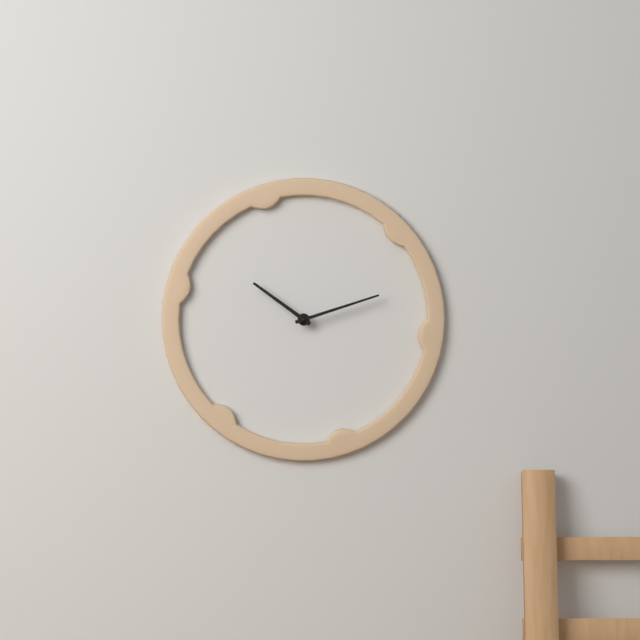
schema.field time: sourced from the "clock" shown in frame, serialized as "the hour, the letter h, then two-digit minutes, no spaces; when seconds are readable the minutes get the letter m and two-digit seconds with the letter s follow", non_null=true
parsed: 10h12
